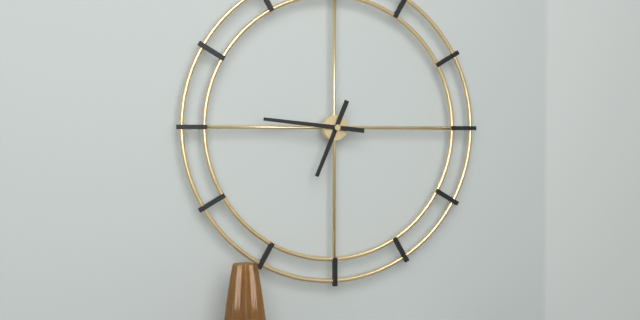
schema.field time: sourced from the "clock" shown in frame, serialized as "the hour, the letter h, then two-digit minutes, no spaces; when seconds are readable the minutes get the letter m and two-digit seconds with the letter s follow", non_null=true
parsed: 6h46
